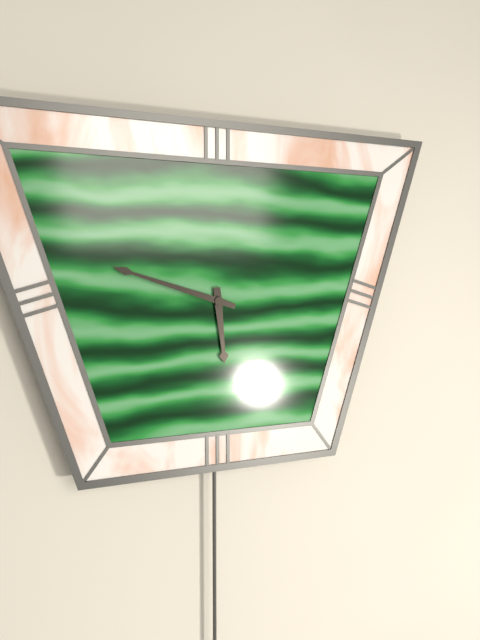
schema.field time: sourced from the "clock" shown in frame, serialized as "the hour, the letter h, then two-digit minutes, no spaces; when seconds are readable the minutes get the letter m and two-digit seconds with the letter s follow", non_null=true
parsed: 5h48
